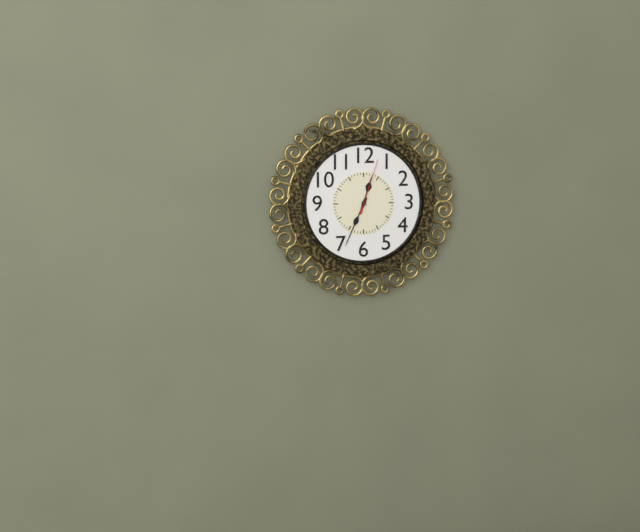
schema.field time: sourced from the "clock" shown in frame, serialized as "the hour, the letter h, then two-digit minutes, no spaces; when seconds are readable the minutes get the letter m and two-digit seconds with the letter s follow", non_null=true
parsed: 12h34m03s
